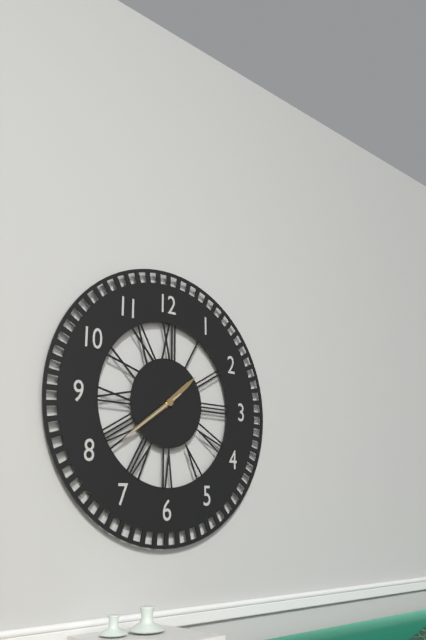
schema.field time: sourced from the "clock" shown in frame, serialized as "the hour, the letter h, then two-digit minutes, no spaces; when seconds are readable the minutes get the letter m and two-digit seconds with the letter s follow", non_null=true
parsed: 1h39m39s
